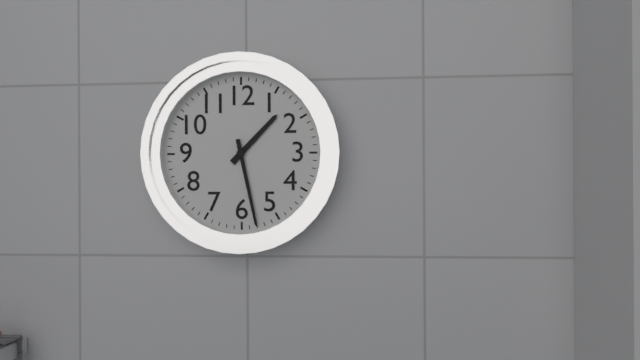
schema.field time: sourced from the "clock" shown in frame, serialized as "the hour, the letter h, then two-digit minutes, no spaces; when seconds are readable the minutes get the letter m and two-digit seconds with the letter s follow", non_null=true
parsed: 1h28
